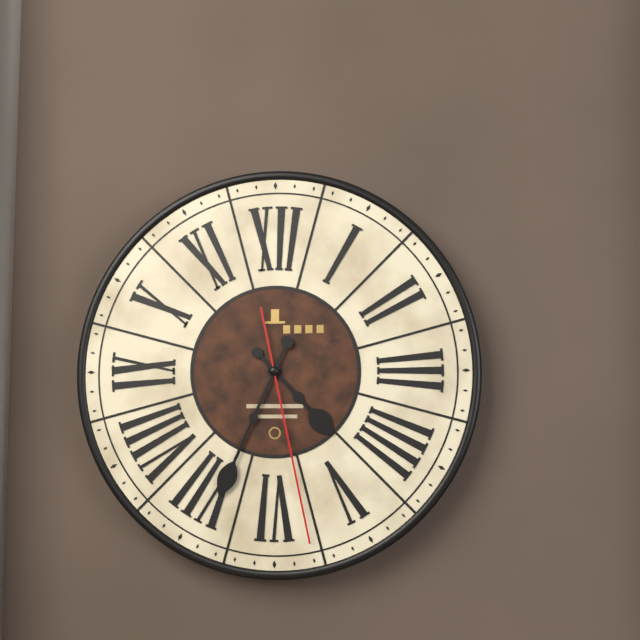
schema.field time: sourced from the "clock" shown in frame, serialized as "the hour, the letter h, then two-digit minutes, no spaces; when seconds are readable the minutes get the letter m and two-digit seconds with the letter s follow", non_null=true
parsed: 4h34m28s
